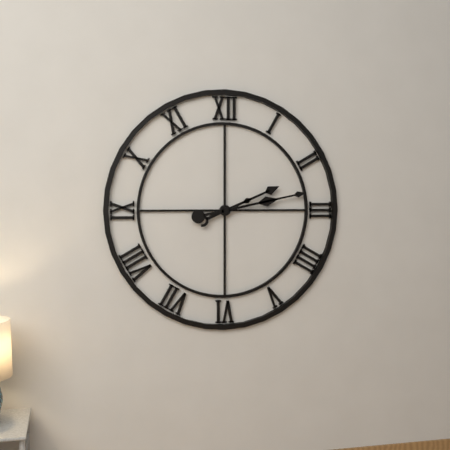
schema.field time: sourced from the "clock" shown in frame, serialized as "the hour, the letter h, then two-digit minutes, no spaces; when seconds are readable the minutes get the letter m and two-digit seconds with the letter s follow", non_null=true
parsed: 2h13
